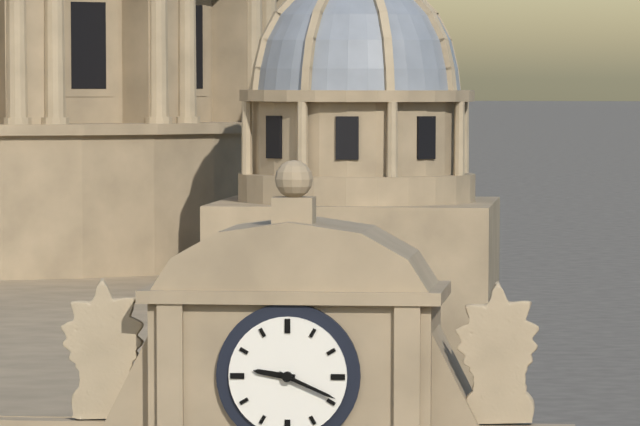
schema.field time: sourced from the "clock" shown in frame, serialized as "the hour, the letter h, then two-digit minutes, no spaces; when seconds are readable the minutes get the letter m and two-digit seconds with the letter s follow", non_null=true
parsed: 9h19
